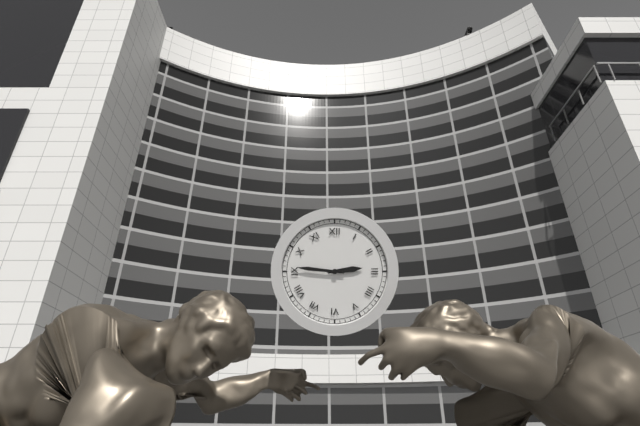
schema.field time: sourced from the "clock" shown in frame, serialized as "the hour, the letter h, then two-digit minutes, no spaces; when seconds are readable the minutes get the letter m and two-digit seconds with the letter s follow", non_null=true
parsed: 2h46
